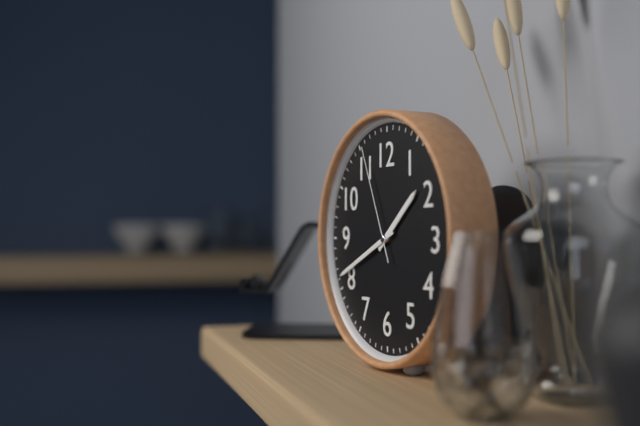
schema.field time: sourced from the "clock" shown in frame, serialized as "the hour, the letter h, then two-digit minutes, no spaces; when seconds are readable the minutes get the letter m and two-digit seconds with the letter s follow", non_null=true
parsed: 1h41m56s
